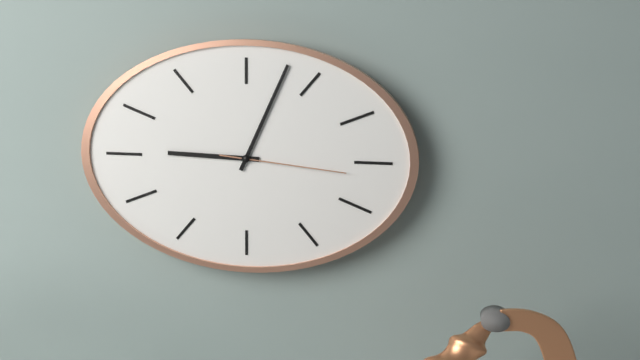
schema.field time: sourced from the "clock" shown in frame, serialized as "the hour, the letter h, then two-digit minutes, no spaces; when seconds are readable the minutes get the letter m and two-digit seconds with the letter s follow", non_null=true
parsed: 9h04m16s
